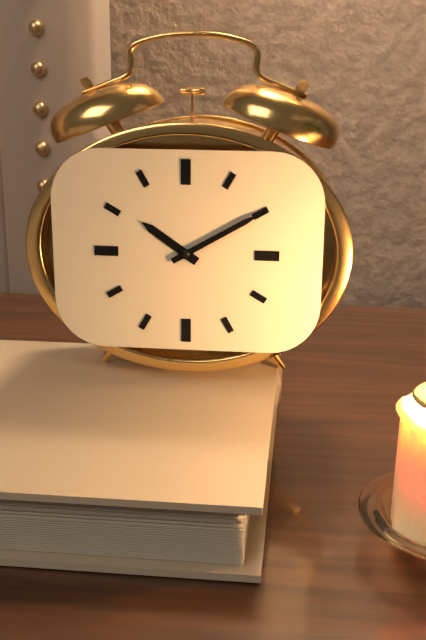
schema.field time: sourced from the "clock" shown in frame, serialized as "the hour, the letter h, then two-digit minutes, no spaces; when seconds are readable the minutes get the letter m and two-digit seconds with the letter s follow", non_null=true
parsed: 10h10
